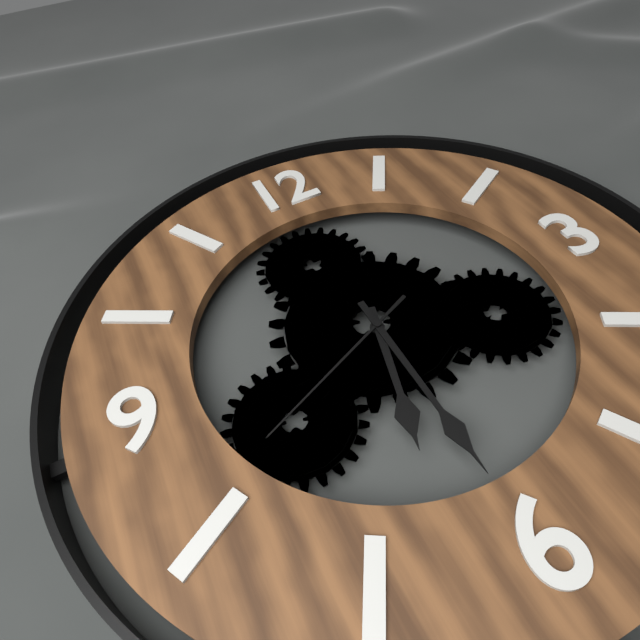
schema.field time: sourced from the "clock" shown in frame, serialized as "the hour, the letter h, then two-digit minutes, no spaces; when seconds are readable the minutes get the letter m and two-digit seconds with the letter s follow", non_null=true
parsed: 6h30m41s
